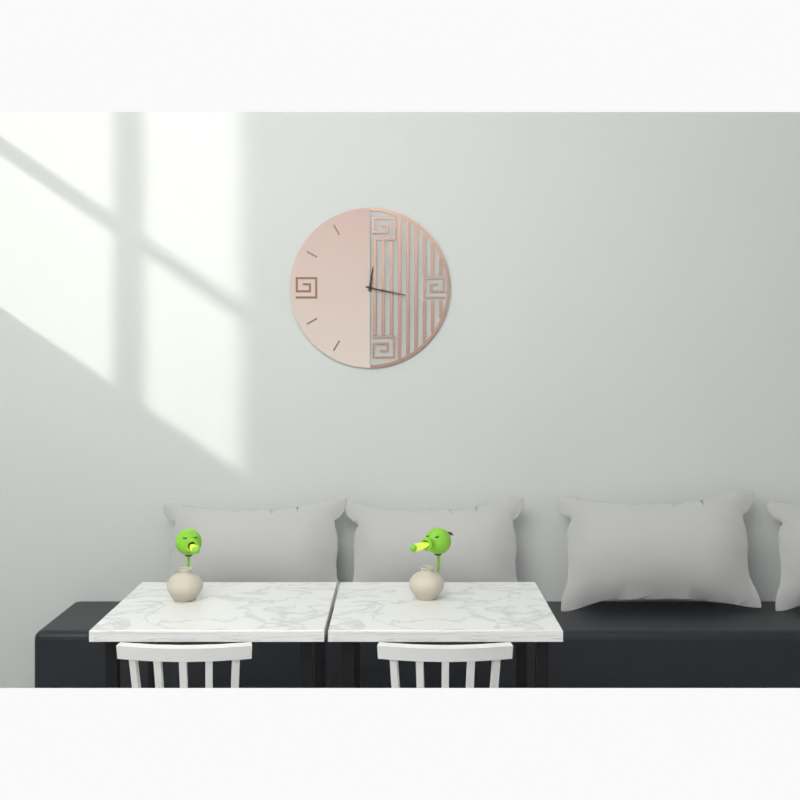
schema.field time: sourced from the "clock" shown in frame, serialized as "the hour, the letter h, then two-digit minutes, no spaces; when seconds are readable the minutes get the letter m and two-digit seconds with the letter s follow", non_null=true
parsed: 12h17
